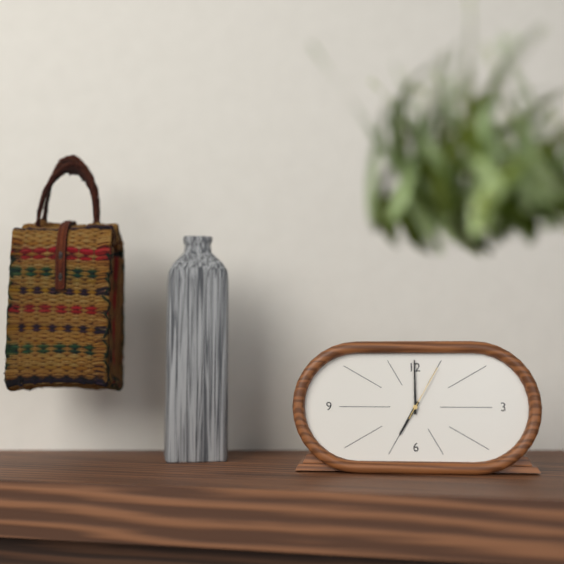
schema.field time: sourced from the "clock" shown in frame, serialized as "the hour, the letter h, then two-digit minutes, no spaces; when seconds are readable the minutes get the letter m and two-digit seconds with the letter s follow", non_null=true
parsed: 7h00m05s
